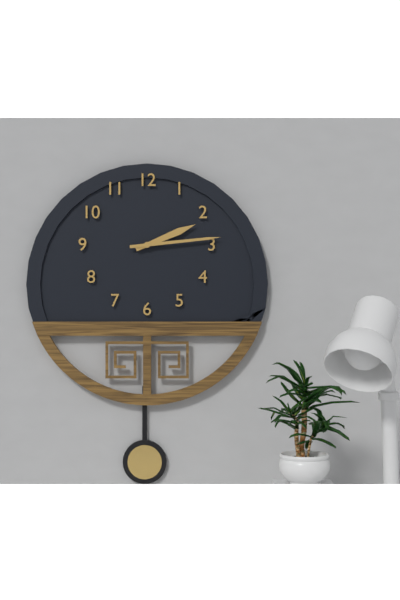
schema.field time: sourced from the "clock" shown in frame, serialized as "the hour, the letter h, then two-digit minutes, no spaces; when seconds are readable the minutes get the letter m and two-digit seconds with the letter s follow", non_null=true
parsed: 2h14
